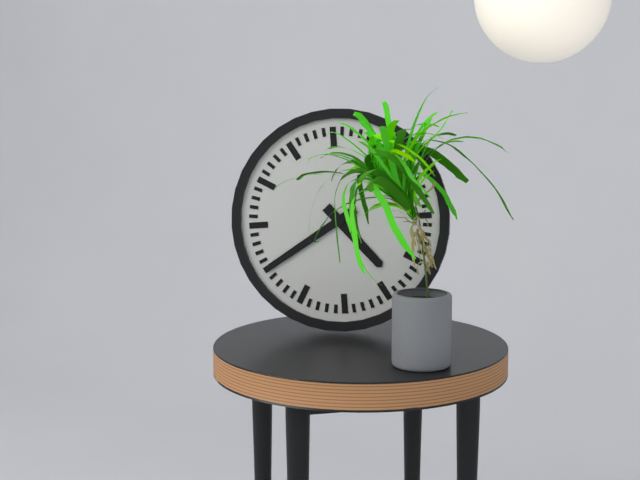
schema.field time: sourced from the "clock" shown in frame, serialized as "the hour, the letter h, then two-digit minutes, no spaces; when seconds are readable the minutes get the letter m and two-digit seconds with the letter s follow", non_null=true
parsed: 4h40
